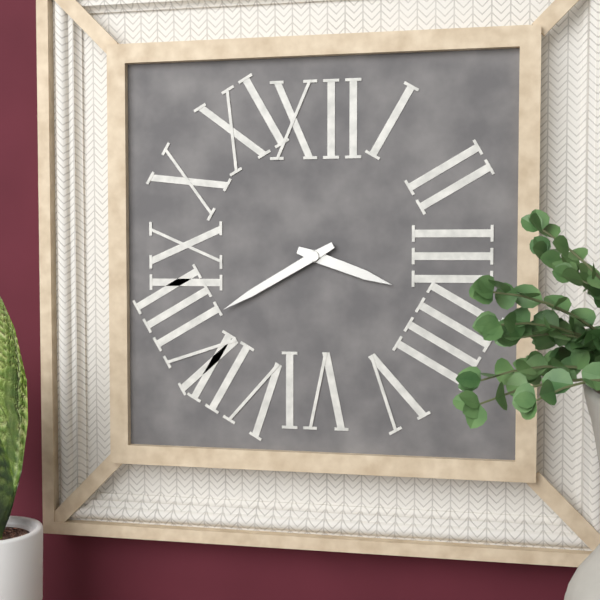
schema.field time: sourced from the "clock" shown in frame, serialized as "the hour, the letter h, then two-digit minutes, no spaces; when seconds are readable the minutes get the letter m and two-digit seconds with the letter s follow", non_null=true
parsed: 3h40
